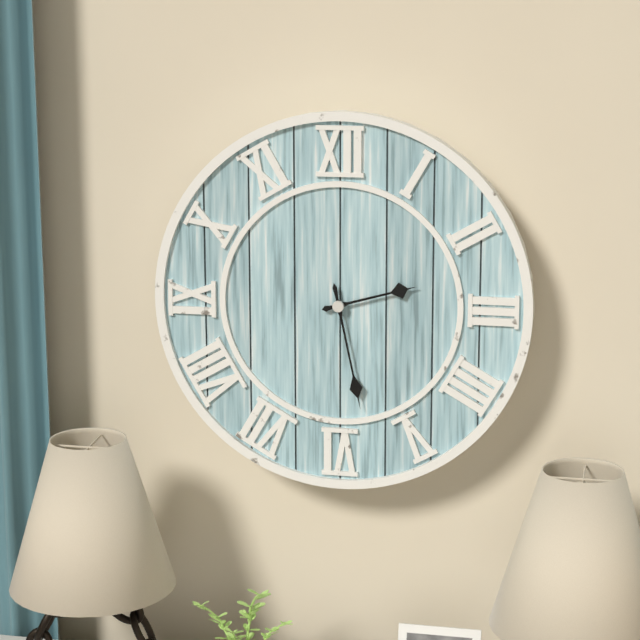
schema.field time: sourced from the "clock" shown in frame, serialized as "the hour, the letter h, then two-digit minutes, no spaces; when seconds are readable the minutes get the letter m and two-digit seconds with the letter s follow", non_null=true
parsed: 2h28
